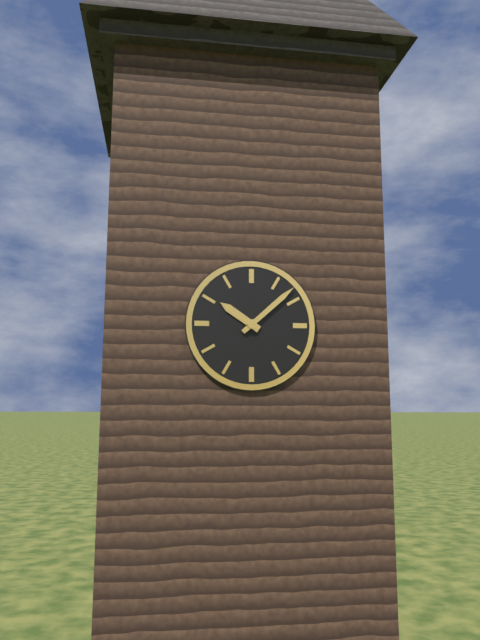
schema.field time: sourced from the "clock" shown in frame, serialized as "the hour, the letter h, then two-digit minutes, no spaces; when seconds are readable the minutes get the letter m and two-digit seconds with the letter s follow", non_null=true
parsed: 10h08
